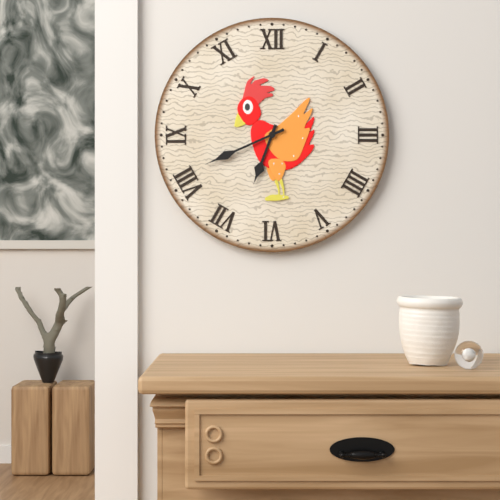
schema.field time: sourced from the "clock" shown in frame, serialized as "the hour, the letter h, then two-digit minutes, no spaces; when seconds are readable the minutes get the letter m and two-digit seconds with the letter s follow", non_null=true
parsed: 6h41
